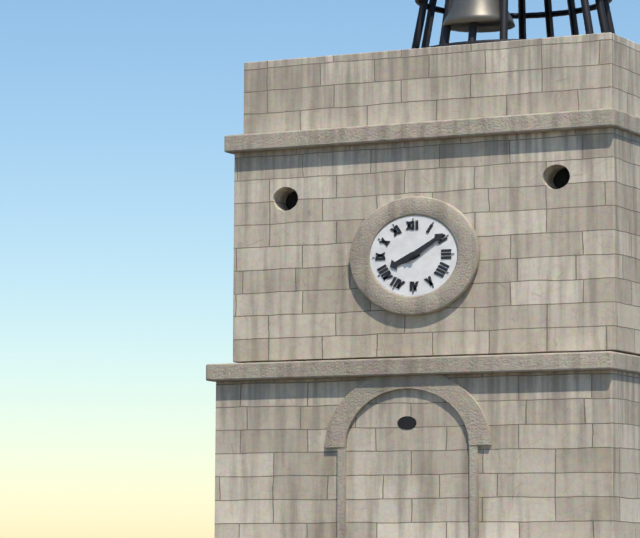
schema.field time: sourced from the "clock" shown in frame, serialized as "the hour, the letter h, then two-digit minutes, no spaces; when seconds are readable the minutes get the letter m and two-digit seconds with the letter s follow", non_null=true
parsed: 8h09
